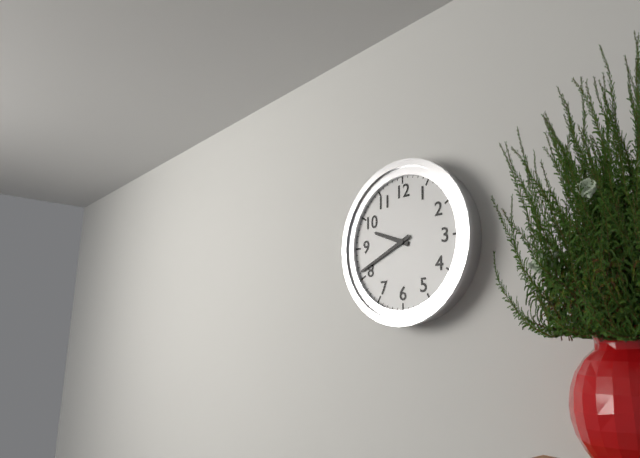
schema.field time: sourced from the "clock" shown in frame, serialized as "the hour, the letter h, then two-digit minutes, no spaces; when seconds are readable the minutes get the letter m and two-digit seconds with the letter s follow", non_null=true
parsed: 9h41
